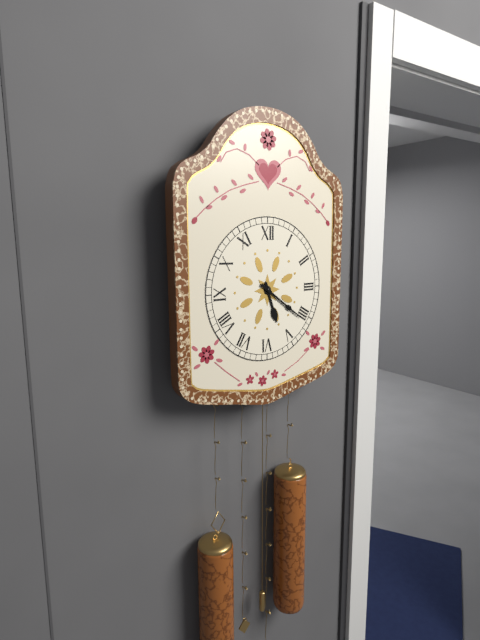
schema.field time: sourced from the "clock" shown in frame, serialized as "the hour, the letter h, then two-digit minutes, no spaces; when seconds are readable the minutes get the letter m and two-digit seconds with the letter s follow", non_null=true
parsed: 5h21
